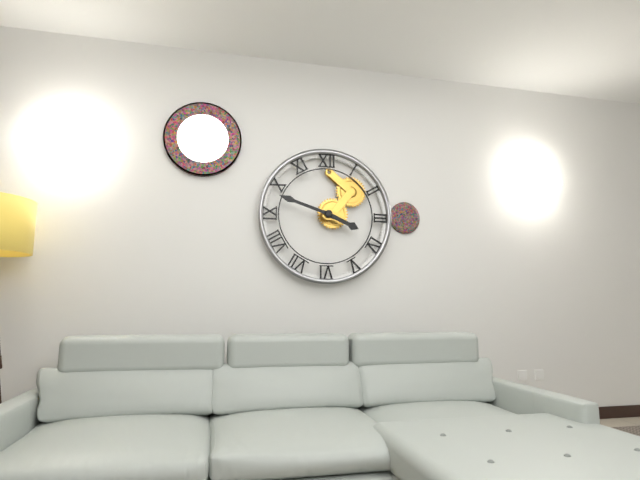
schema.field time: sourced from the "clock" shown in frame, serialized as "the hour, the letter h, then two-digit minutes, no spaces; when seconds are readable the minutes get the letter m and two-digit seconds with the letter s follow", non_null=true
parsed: 3h48
